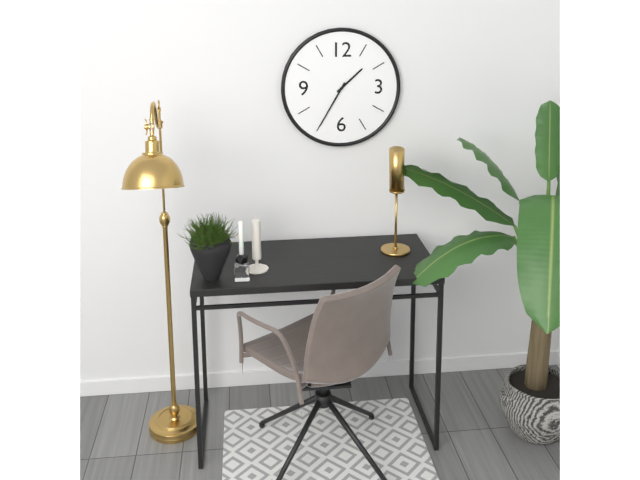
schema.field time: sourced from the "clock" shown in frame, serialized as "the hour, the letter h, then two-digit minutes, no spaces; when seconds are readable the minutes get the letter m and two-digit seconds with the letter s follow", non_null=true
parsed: 1h35
